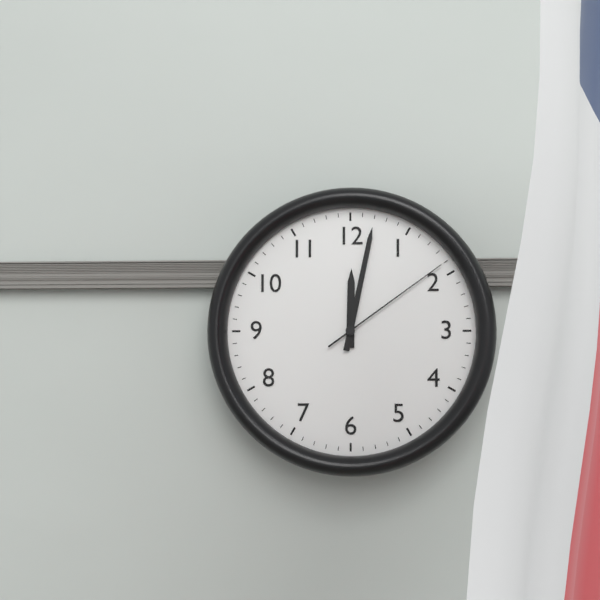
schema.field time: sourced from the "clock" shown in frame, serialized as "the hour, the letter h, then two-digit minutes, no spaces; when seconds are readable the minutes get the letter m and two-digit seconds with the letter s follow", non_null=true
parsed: 12h02m09s
